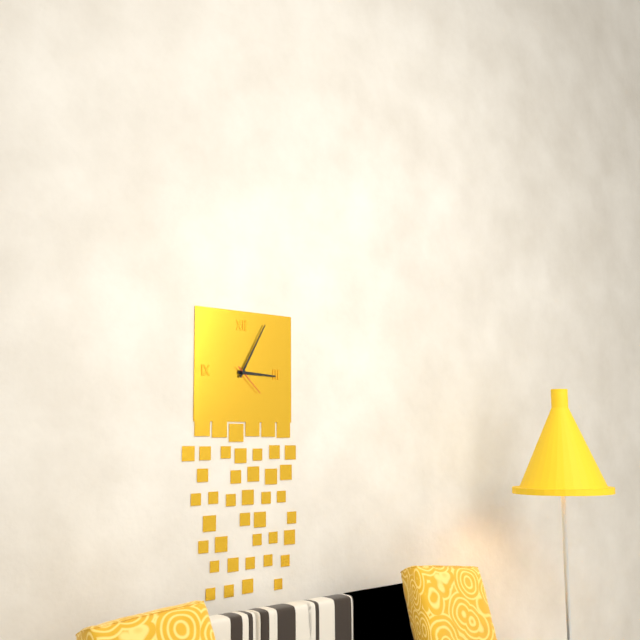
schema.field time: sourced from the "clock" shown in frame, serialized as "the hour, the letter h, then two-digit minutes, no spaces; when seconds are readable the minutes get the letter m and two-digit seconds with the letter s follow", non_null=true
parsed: 3h05
